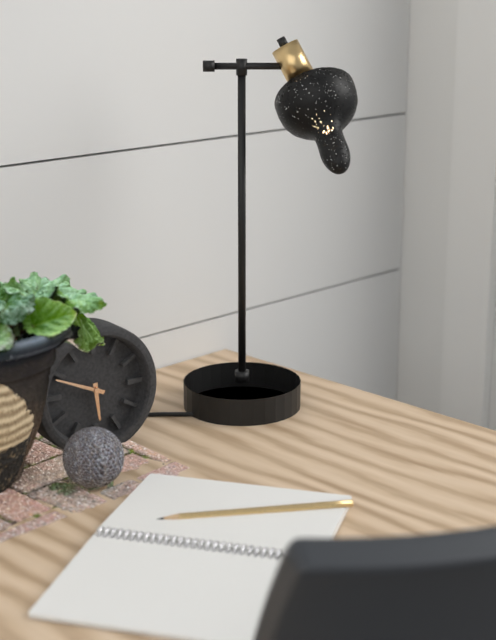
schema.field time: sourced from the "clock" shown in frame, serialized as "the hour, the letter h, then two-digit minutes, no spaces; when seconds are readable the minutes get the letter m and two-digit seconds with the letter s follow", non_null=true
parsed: 5h49
